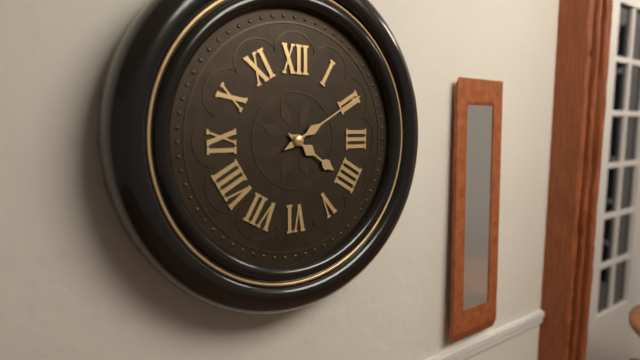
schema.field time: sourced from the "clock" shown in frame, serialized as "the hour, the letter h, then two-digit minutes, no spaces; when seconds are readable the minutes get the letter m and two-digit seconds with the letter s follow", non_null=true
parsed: 4h10
